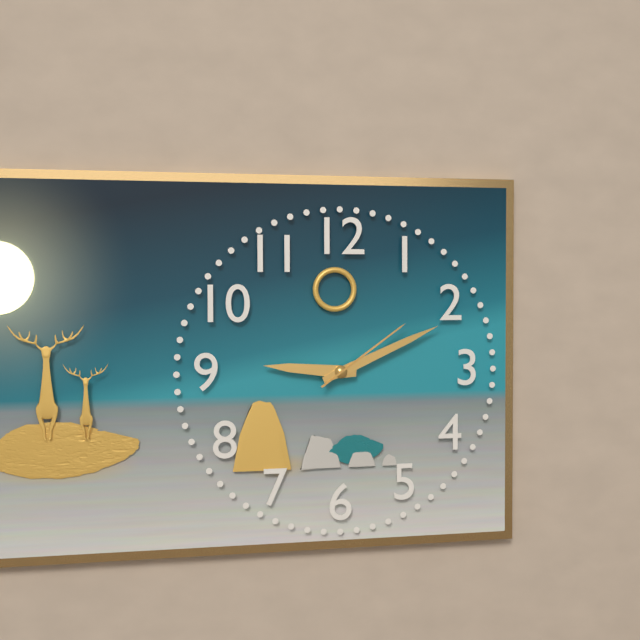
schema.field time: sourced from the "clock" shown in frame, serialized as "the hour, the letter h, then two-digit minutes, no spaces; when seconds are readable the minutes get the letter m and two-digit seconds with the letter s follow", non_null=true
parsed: 9h11m09s
